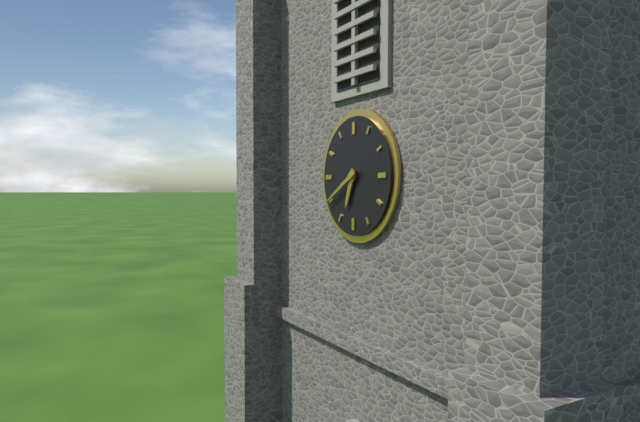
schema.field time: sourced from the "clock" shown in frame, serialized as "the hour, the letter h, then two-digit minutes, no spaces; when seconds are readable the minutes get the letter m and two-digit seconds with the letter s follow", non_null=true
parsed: 6h40
